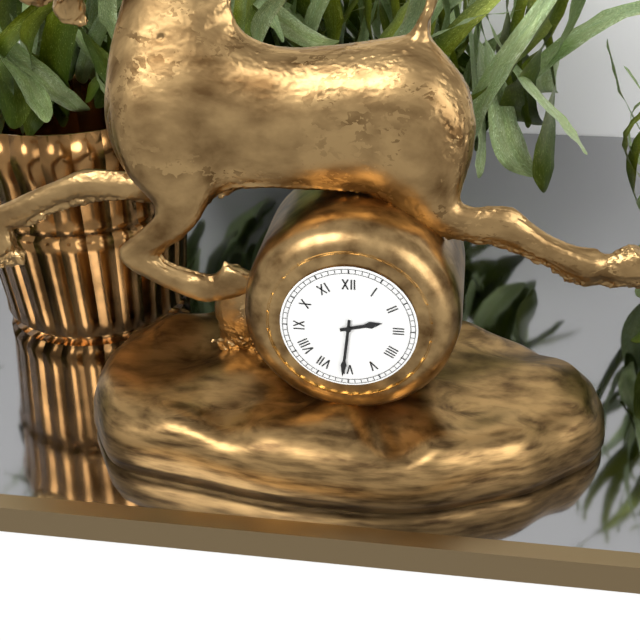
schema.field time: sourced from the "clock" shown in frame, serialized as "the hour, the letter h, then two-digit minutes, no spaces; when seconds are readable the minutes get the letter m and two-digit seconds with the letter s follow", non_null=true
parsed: 2h31
